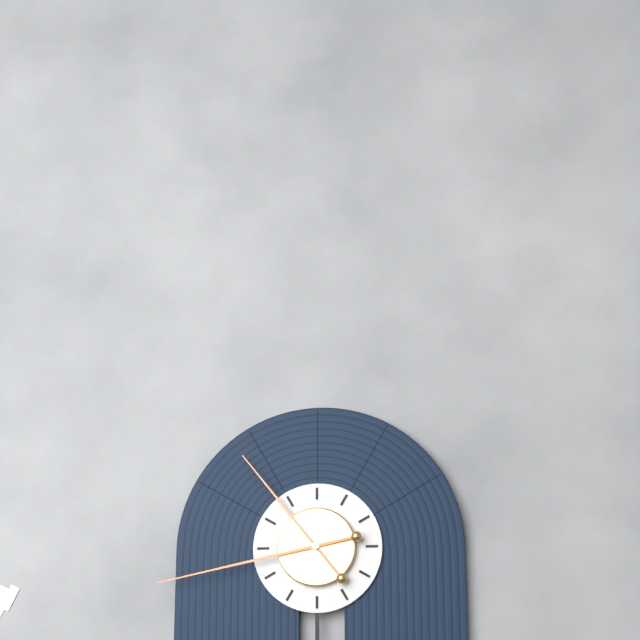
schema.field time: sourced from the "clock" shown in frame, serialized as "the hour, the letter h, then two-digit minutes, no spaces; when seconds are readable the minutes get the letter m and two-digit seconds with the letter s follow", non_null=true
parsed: 10h43
